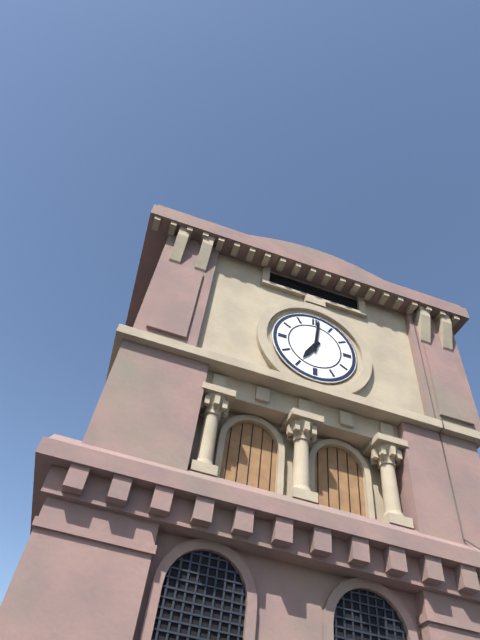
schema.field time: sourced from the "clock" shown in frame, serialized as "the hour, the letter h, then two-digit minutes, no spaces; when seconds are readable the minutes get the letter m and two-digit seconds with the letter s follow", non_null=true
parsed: 7h01
